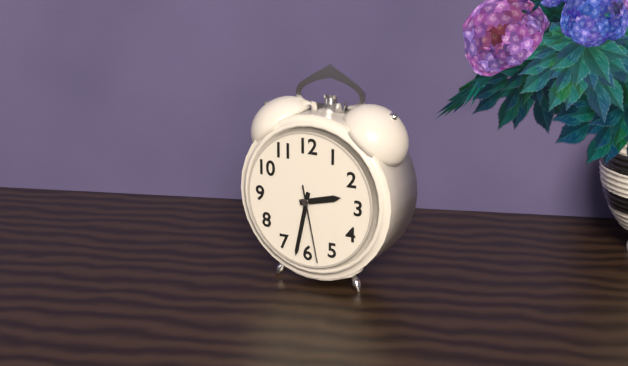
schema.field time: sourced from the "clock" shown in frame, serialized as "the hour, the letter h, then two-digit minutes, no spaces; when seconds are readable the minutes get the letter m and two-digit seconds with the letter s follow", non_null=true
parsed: 2h32m28s
